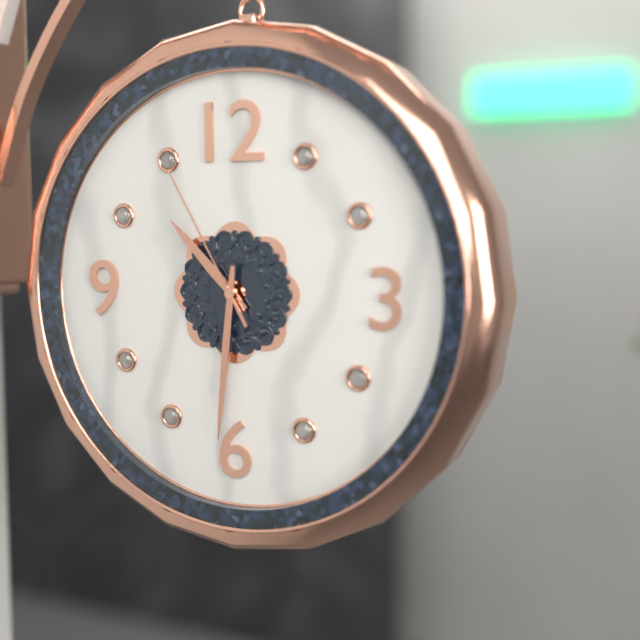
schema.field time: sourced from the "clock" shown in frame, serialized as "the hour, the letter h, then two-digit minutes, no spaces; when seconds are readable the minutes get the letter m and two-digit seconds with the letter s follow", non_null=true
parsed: 10h31m55s
